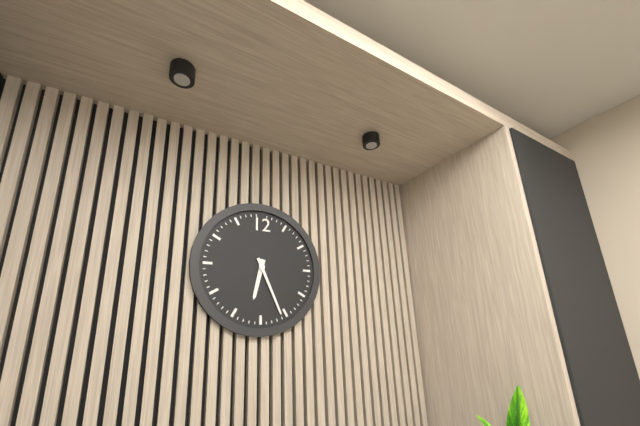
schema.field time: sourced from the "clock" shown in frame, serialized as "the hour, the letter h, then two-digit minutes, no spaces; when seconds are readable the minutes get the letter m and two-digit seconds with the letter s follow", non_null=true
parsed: 6h26
